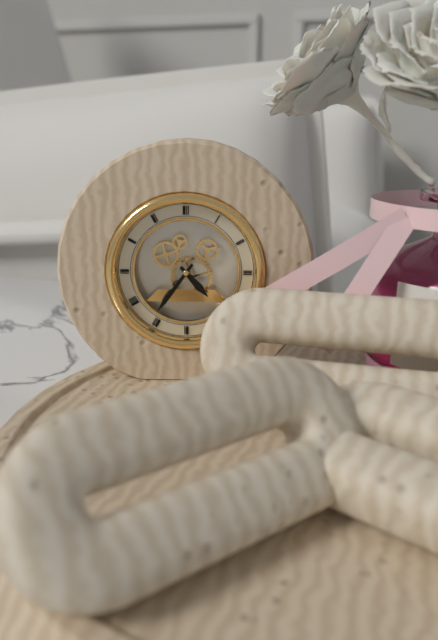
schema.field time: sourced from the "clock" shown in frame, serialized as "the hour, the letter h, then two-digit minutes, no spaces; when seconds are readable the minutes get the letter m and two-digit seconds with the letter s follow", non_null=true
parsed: 4h36
